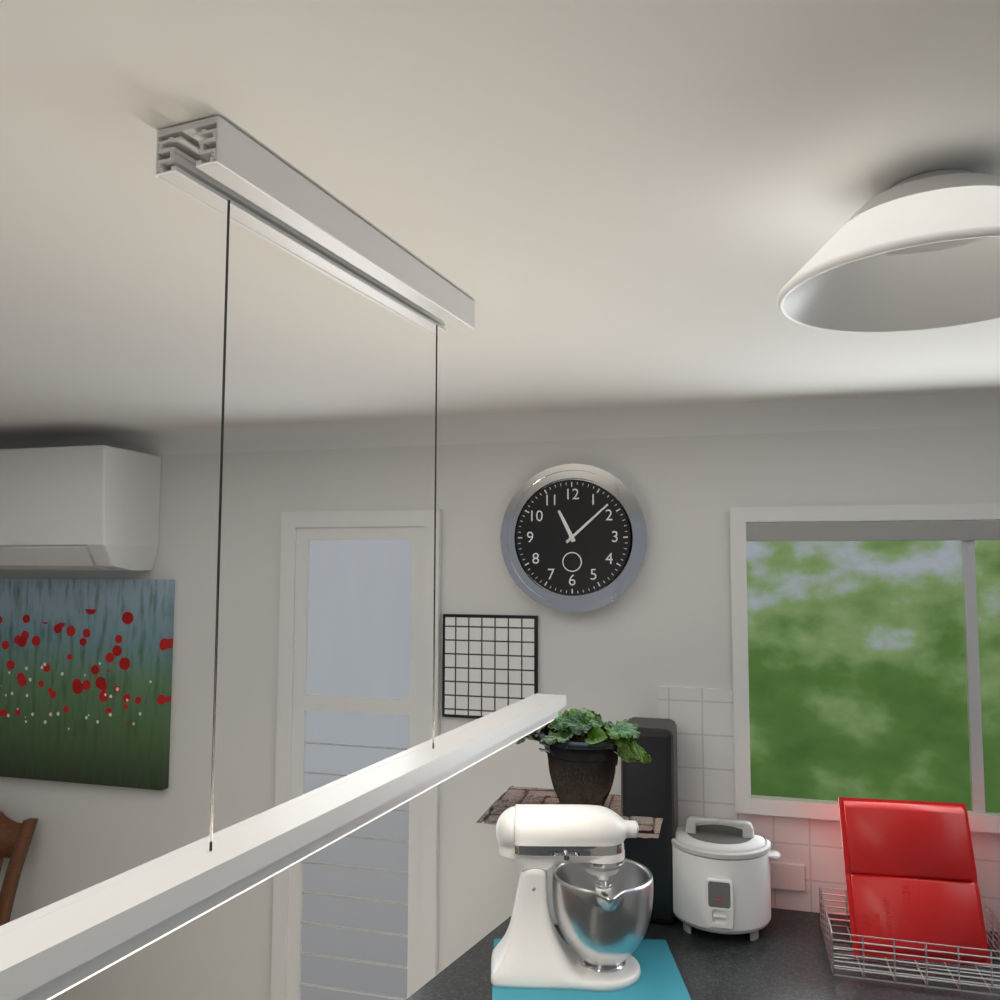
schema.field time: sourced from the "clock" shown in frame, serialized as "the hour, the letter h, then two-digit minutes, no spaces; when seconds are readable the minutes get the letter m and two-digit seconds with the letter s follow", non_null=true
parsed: 11h08
